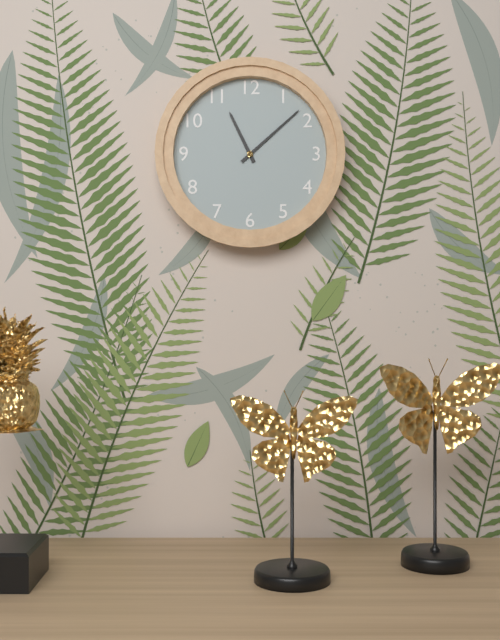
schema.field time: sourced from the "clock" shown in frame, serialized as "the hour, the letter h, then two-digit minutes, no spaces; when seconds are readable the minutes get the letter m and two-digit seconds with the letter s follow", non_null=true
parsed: 11h08
